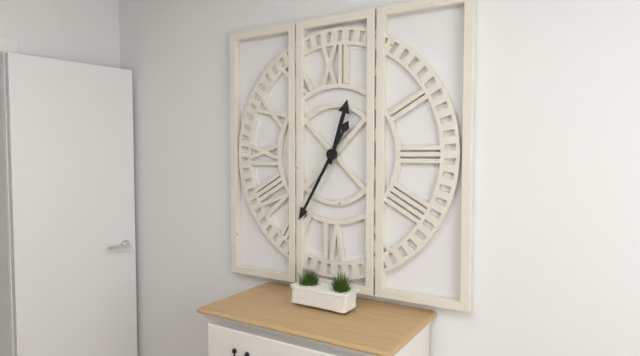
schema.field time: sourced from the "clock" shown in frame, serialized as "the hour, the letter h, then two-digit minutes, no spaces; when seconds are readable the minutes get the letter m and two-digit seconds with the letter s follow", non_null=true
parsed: 12h35
